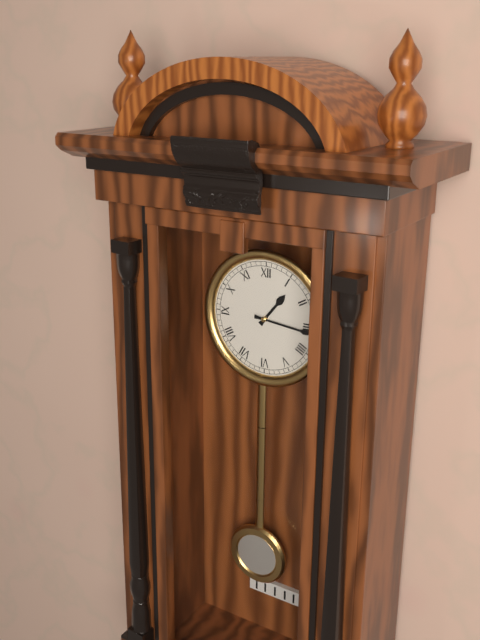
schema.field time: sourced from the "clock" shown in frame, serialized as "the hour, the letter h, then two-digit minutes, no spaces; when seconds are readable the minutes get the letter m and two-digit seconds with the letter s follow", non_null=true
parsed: 1h16
